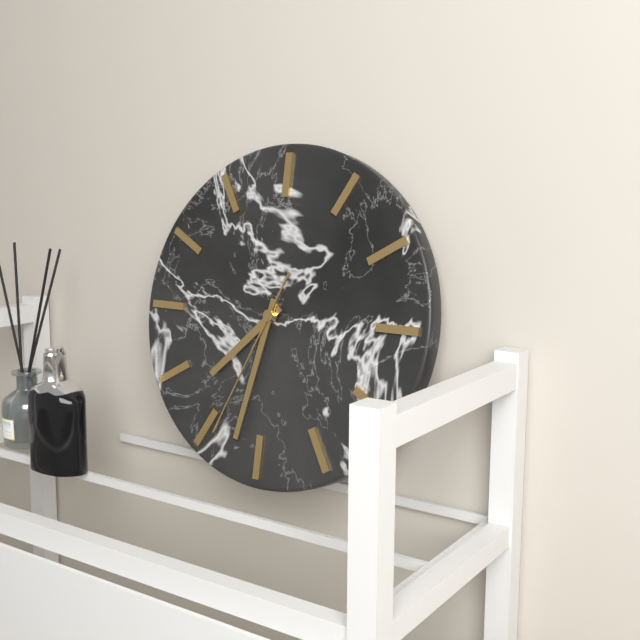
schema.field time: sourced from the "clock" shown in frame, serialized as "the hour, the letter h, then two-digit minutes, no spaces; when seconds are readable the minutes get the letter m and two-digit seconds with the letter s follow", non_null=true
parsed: 7h32m34s
